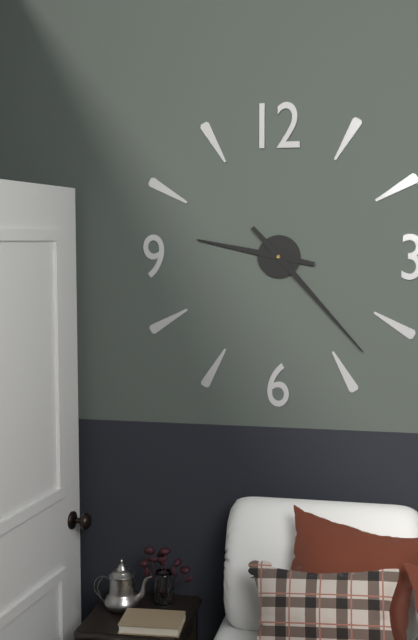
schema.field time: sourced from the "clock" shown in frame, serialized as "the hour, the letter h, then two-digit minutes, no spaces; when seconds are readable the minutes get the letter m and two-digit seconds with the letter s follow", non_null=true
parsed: 9h23
